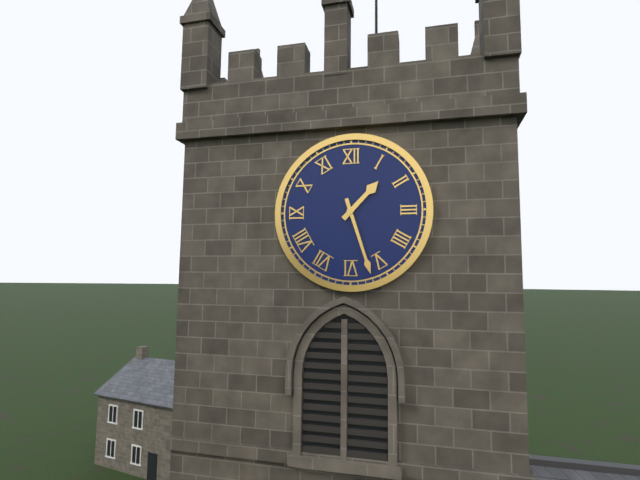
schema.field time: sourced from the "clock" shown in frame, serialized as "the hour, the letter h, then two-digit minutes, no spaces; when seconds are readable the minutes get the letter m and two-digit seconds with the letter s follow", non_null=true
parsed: 1h27
